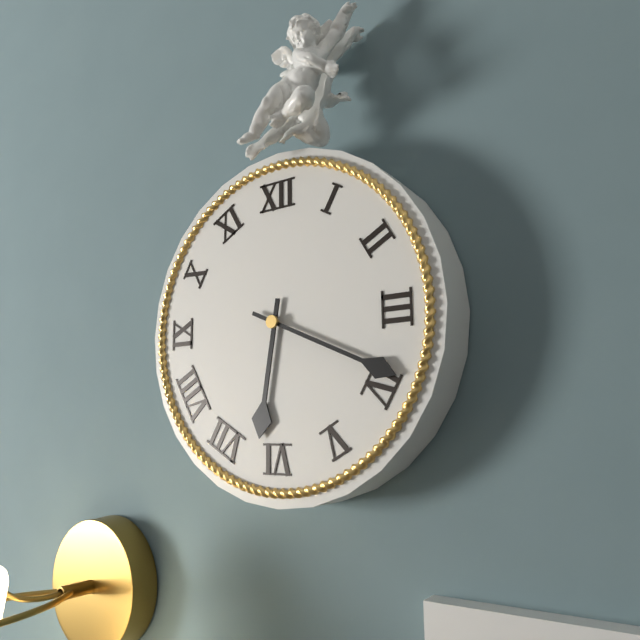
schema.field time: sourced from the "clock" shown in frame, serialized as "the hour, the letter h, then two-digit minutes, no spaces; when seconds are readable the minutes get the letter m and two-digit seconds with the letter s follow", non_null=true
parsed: 6h19
